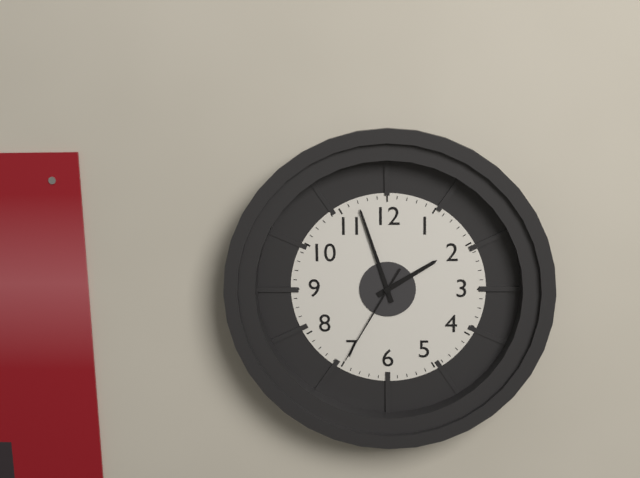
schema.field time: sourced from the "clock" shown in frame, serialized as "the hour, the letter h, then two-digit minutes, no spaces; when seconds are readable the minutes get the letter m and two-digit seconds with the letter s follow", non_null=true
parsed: 1h57m35s
